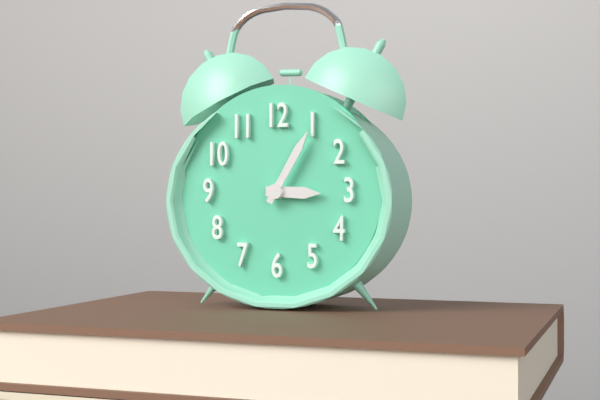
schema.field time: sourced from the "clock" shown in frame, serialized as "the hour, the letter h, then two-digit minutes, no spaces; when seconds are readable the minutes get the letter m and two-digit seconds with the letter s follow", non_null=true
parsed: 3h05
